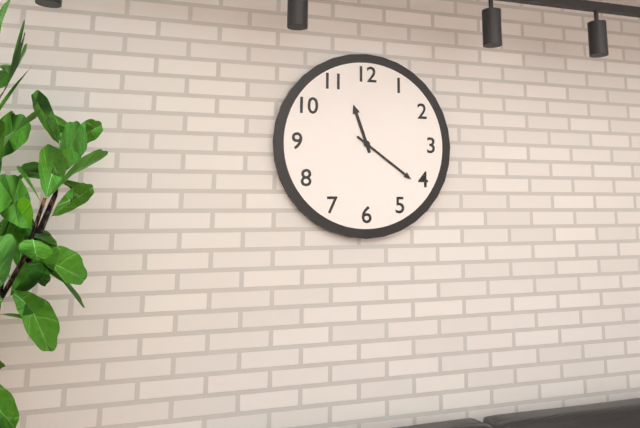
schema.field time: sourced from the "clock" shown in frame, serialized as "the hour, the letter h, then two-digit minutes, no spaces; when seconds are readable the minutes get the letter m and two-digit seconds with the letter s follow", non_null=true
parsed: 11h21
